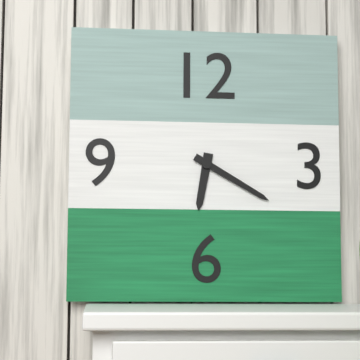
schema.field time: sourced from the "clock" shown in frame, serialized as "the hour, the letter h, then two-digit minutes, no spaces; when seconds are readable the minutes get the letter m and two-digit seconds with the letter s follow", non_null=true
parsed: 6h20
